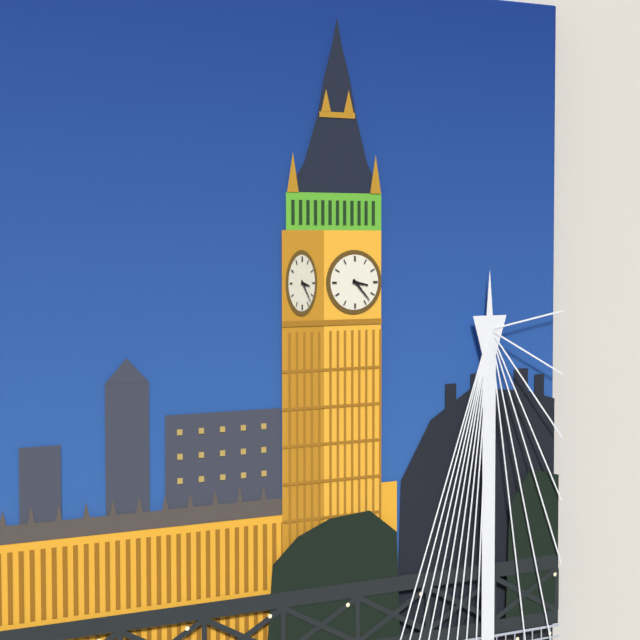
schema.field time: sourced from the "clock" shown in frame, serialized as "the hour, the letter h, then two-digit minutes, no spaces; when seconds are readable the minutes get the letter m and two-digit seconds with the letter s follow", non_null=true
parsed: 3h23
